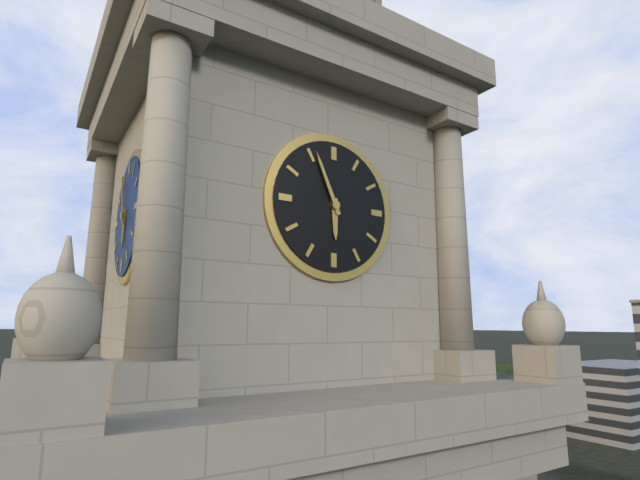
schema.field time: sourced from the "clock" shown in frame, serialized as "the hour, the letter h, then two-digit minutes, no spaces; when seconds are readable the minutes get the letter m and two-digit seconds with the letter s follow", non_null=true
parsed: 5h56
